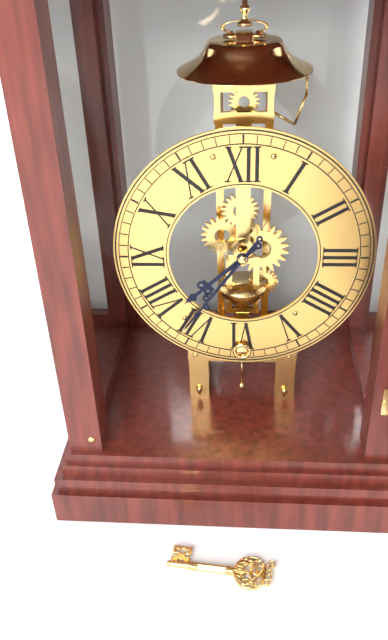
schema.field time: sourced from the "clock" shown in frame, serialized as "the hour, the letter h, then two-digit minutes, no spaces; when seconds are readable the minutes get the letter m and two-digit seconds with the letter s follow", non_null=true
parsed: 7h36
